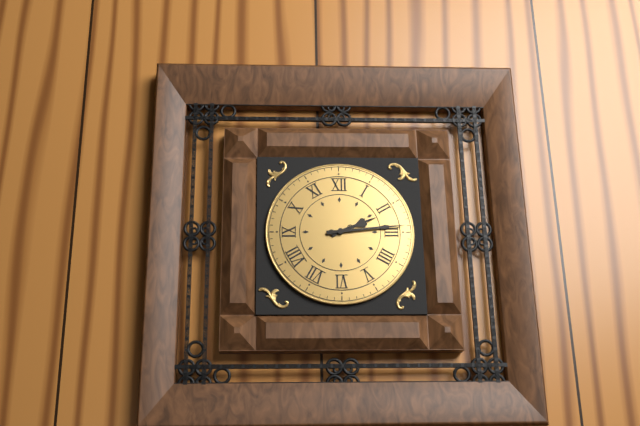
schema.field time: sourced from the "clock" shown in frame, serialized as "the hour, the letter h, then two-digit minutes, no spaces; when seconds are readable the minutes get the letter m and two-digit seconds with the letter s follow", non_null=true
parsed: 2h14
